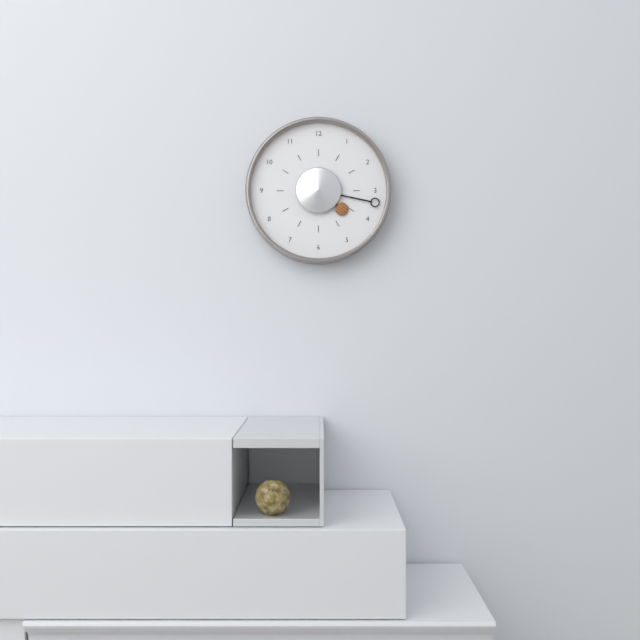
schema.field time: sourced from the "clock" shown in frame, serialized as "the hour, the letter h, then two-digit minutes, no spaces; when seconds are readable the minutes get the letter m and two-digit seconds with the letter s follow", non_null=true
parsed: 4h17
